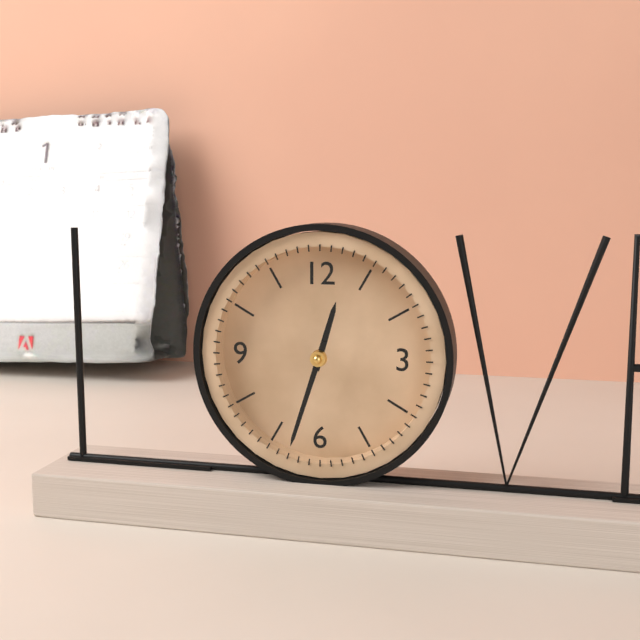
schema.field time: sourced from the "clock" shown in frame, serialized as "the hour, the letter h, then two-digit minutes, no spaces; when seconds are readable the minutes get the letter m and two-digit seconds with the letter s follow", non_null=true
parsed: 12h33
